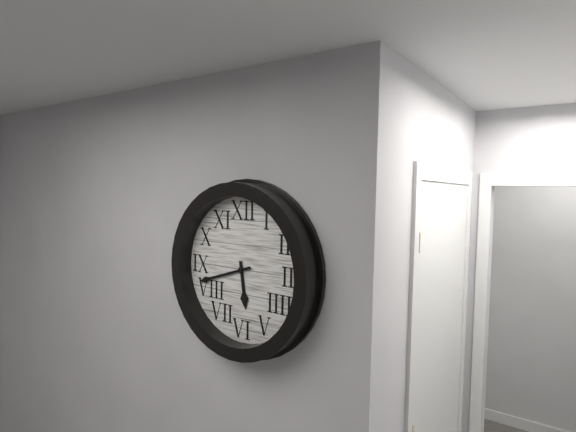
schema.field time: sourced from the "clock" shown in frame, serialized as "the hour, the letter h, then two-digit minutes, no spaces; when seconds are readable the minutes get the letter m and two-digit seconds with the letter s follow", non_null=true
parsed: 5h42
